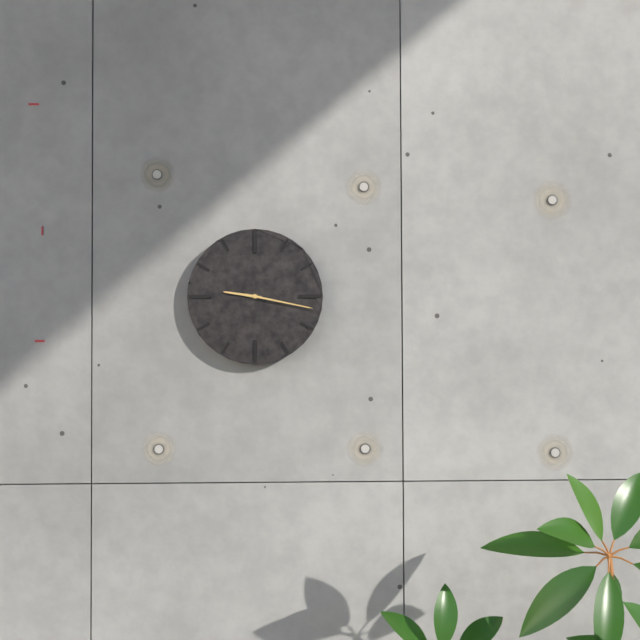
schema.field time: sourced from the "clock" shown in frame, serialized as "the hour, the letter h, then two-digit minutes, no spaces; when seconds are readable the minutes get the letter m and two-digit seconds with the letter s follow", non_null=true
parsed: 9h17
